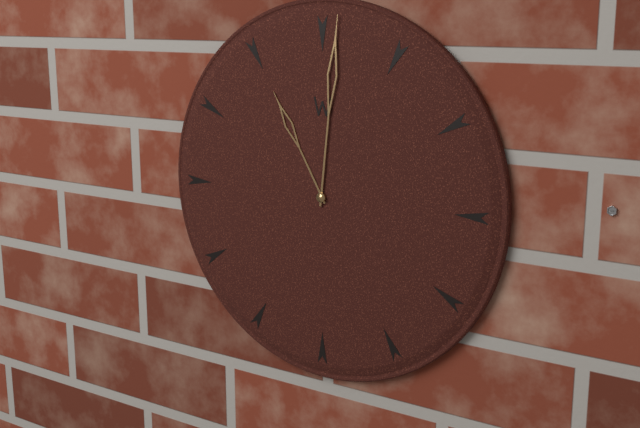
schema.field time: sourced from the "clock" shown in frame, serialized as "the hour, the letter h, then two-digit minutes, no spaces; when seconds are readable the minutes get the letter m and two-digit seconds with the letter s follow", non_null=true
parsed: 11h01
